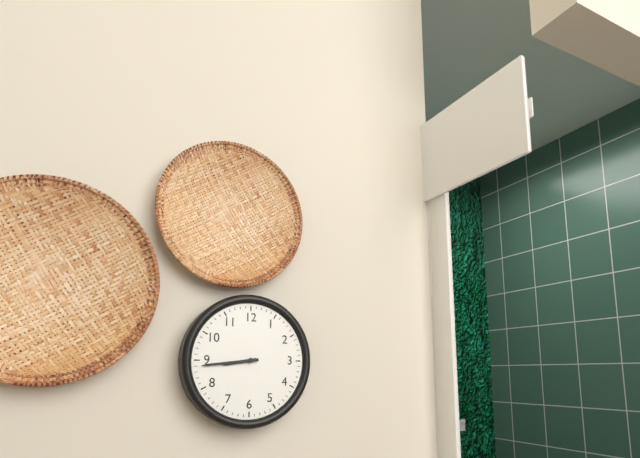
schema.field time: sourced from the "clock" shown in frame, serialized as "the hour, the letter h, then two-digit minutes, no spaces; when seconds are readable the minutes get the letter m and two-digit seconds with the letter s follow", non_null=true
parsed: 8h44
